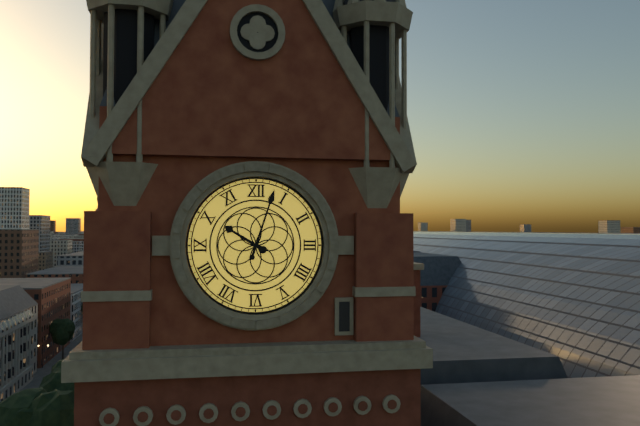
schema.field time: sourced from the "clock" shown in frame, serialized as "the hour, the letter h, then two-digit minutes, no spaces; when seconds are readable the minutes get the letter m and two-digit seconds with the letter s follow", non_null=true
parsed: 10h03
